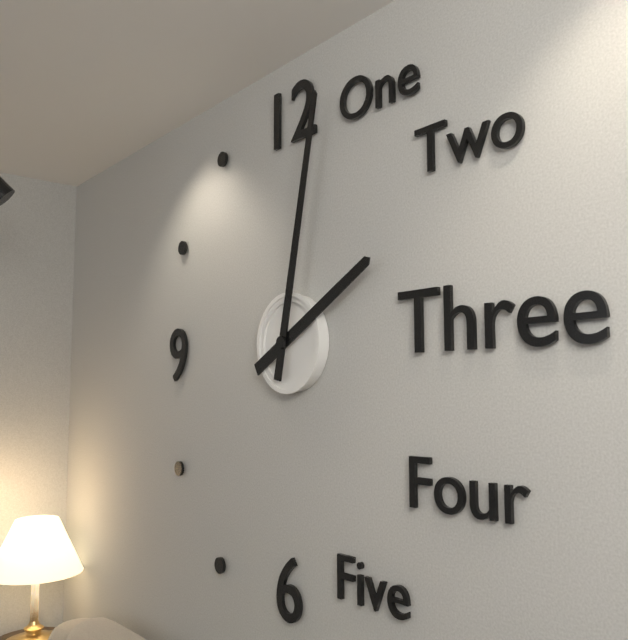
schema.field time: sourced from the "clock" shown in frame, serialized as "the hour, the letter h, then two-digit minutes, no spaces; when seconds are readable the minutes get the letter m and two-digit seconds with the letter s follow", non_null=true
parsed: 2h02
